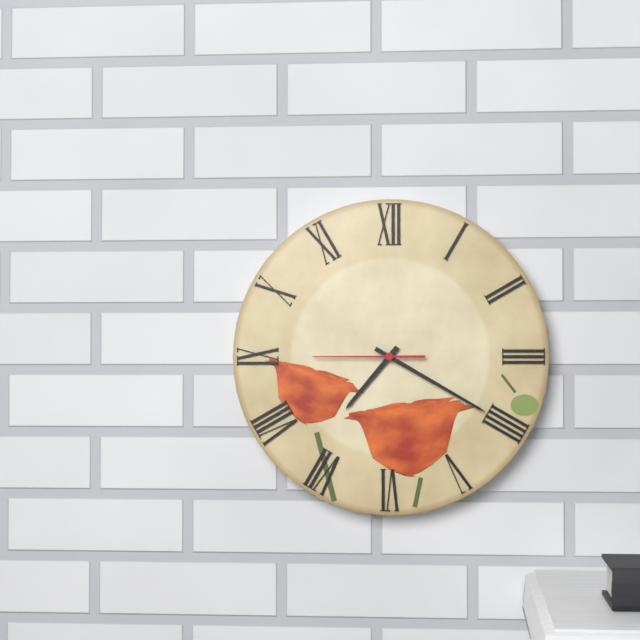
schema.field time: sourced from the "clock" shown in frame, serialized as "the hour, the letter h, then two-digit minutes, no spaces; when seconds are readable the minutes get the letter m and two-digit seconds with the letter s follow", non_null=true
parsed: 7h20m45s
